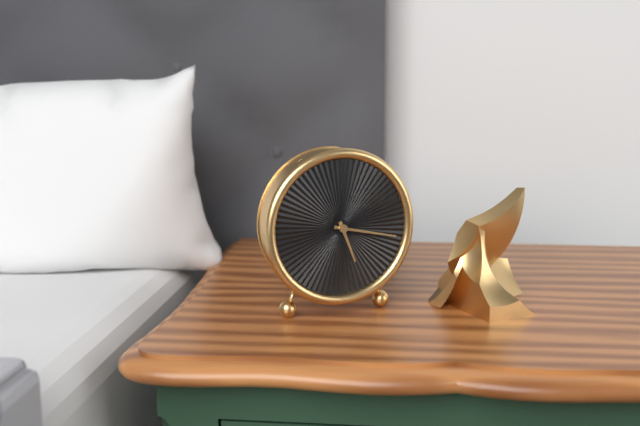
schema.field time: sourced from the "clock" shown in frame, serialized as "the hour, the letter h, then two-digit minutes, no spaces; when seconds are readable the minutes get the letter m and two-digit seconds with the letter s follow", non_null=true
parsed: 5h17
